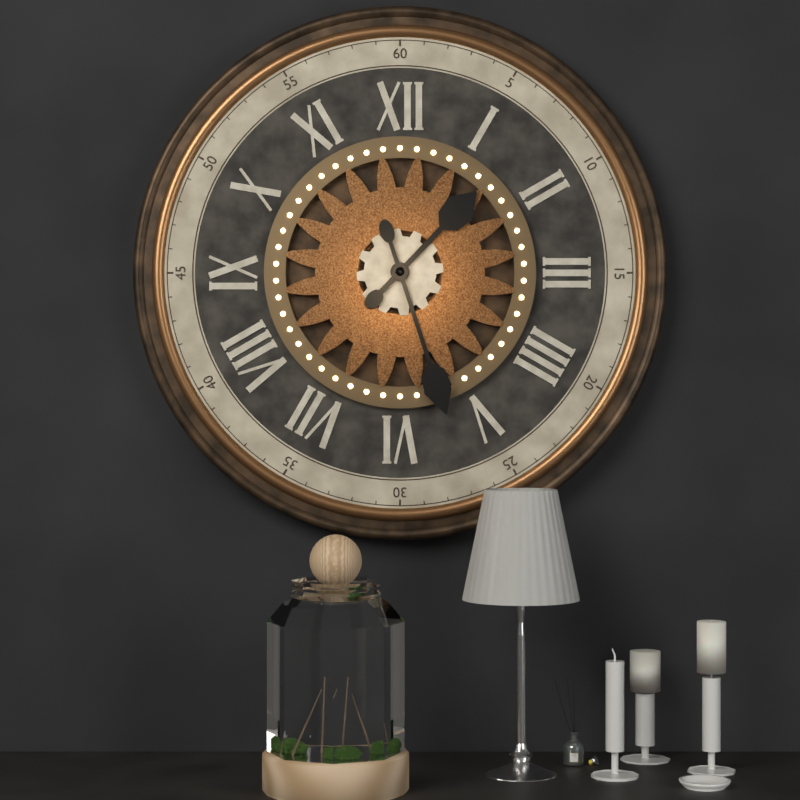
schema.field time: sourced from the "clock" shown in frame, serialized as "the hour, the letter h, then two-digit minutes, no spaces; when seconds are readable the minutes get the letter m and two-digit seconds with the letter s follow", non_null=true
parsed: 1h27
